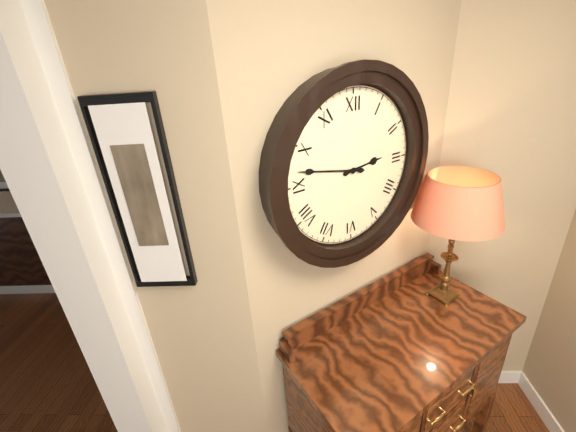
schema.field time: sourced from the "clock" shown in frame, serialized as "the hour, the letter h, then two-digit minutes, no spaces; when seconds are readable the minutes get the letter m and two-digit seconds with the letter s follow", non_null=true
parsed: 2h47
